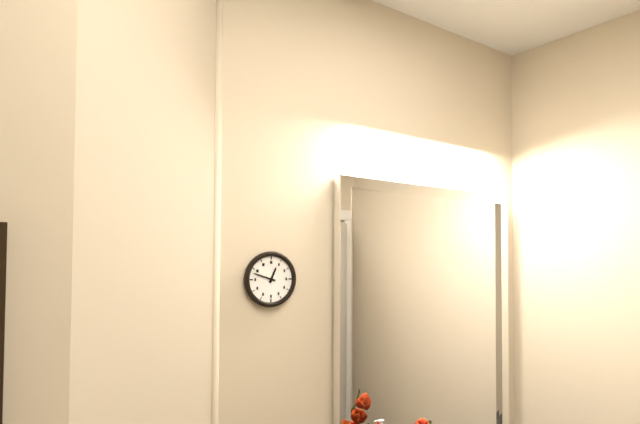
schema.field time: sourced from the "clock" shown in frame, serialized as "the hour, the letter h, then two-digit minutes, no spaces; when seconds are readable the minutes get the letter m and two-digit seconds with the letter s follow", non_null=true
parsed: 12h48
